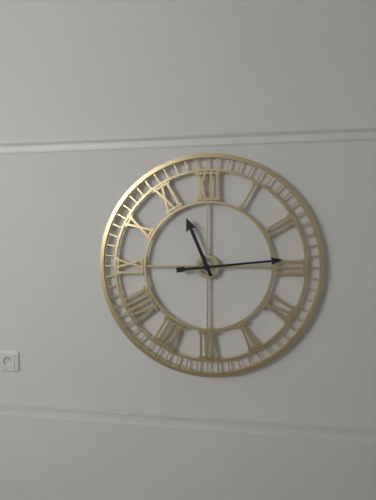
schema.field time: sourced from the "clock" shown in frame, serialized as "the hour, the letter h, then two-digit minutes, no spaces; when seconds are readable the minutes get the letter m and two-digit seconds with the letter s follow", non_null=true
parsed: 11h14
